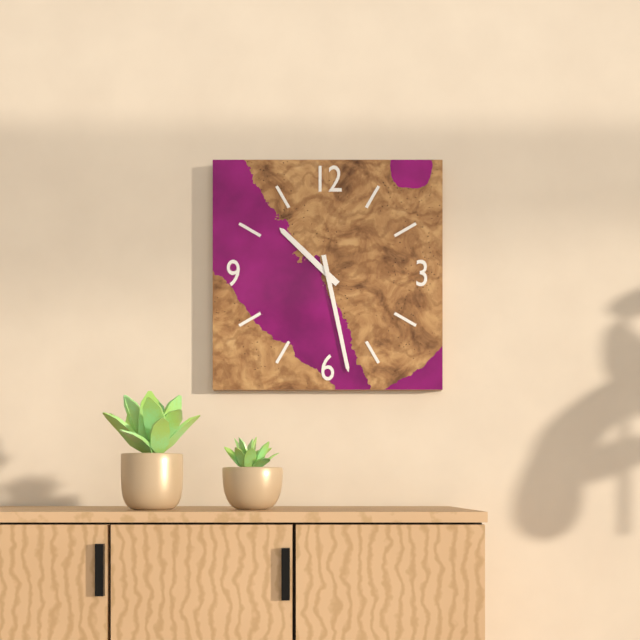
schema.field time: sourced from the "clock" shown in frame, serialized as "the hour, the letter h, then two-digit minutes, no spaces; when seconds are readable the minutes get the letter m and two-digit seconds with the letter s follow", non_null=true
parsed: 10h28
